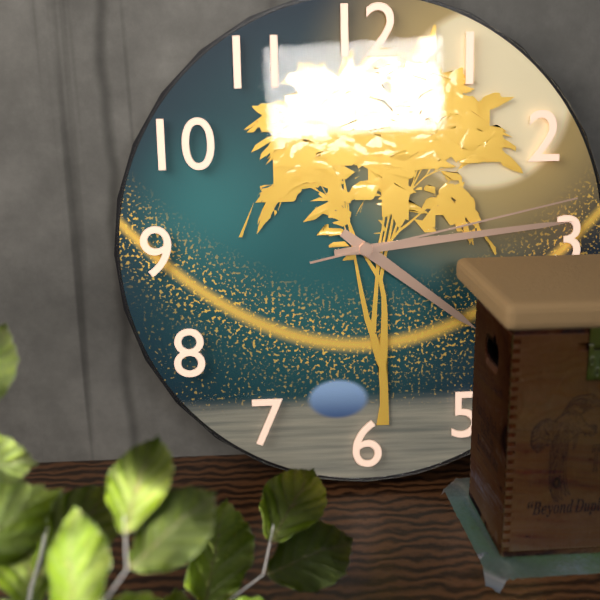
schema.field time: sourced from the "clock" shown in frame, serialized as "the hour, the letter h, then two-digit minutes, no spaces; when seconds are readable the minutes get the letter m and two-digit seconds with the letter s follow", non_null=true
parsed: 4h14m13s
